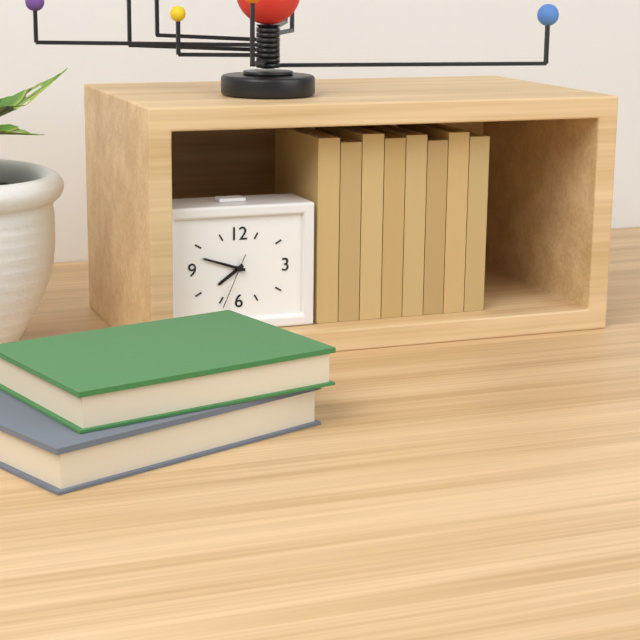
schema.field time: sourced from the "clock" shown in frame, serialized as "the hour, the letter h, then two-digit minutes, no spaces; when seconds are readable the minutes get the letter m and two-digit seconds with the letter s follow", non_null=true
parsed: 7h48m34s
